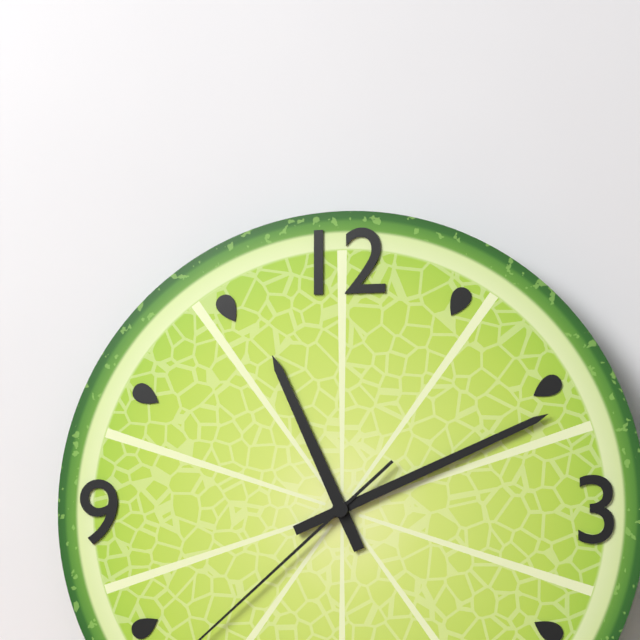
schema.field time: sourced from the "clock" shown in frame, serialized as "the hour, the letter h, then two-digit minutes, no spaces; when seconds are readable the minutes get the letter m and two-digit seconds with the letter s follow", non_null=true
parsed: 11h11
